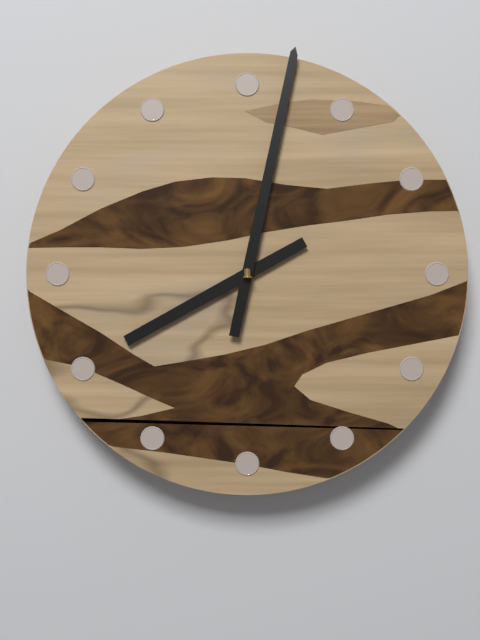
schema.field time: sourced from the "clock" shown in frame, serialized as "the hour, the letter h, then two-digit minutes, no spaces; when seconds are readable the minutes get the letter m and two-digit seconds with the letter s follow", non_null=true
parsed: 8h02
